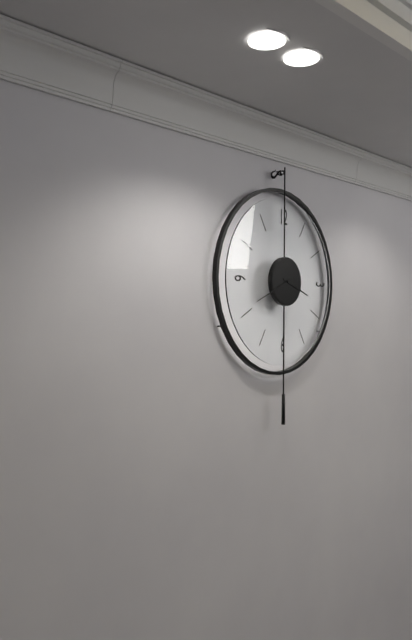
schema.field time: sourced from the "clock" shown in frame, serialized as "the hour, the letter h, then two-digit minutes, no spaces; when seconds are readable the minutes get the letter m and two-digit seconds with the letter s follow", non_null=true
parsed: 3h41
